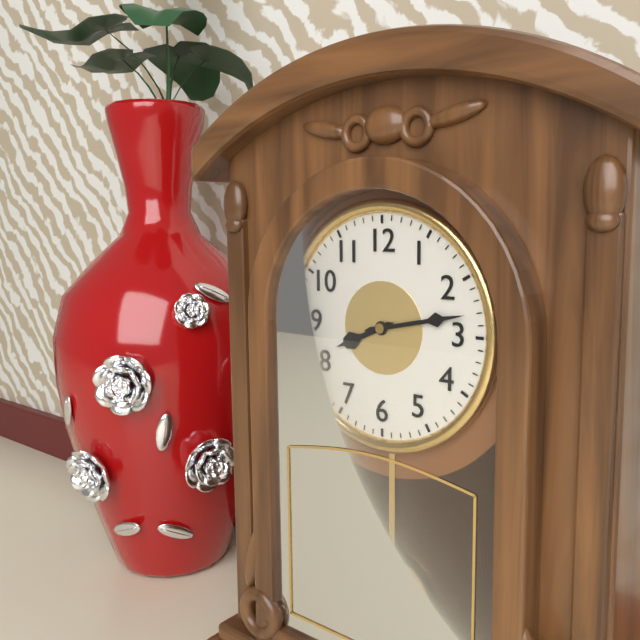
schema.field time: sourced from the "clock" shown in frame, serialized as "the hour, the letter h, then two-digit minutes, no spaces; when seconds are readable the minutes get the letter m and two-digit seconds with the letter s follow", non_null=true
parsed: 8h13
